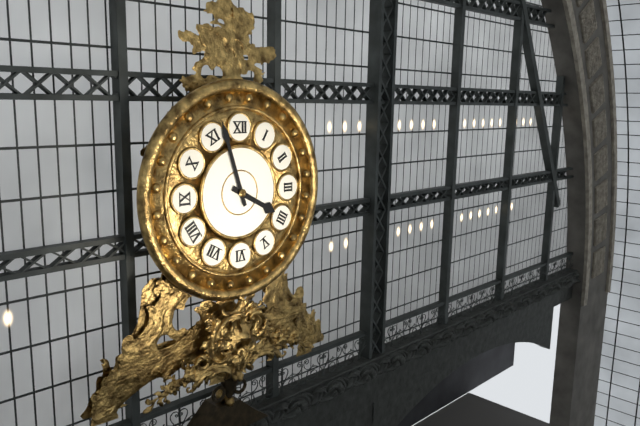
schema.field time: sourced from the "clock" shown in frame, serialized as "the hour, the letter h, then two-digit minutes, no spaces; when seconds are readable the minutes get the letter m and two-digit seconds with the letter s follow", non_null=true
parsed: 3h57
